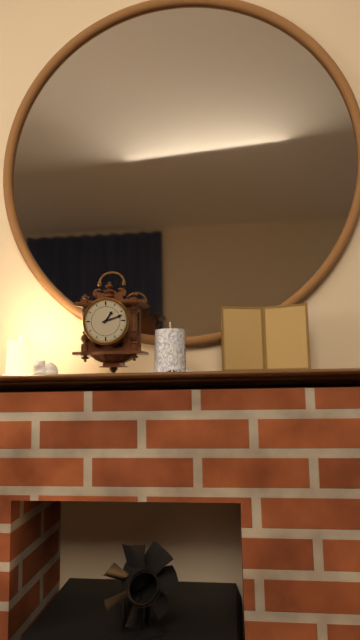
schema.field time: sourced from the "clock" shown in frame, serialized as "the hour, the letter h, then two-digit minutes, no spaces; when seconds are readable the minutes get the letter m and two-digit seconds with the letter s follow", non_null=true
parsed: 1h12
